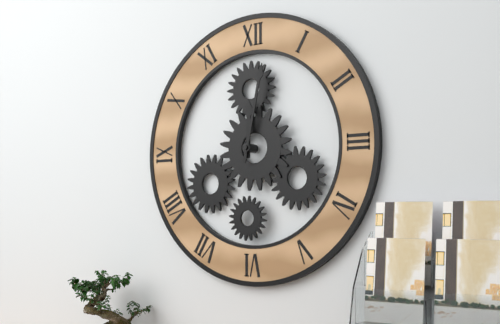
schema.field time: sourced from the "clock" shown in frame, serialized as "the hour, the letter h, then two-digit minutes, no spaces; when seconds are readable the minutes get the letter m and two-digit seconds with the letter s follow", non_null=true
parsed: 12h02
